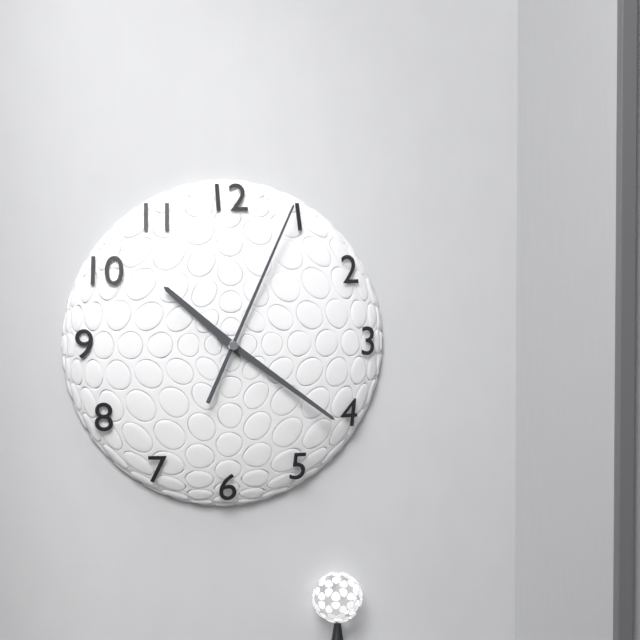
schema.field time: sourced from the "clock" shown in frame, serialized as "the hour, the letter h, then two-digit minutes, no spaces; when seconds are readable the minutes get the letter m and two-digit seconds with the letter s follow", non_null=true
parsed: 10h21m04s
